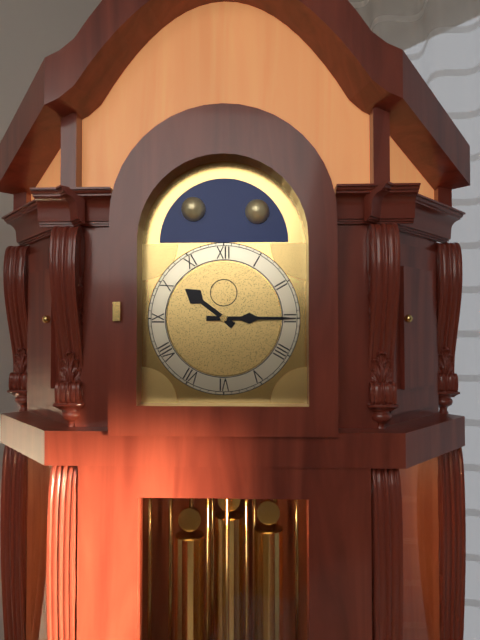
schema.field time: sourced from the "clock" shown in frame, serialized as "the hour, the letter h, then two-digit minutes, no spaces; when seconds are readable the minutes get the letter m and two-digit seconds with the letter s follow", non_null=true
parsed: 10h15
